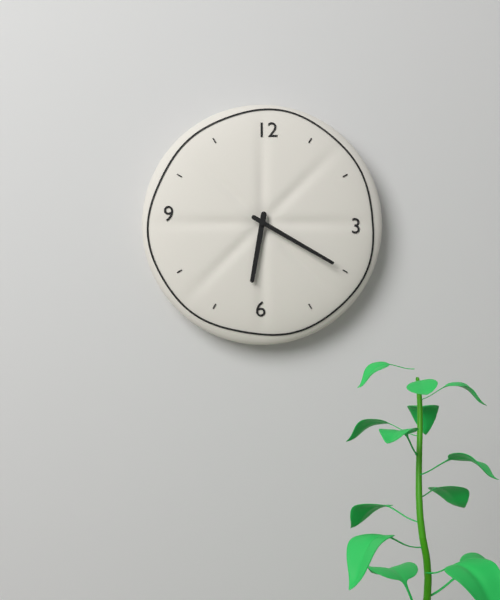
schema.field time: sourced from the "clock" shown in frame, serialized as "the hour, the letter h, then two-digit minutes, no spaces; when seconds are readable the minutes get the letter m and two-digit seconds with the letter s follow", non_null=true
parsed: 6h20
